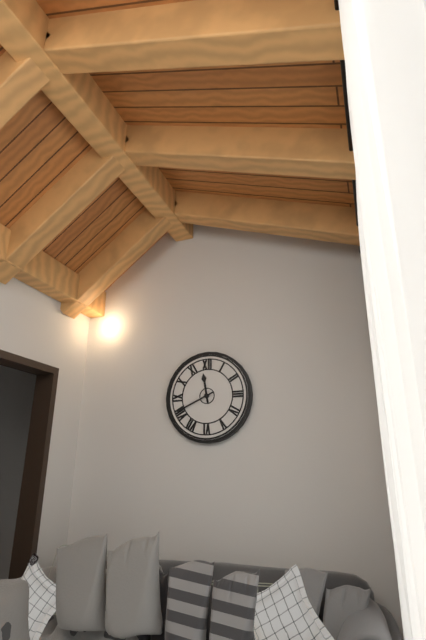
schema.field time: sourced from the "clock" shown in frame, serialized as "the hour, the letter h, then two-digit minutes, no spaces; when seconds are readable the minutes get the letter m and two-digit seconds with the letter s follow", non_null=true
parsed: 11h41
